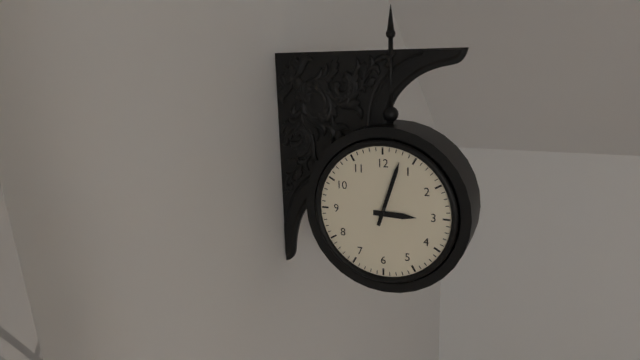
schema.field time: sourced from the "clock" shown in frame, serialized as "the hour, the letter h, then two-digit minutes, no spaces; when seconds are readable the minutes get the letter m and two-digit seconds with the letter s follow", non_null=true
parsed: 3h03
